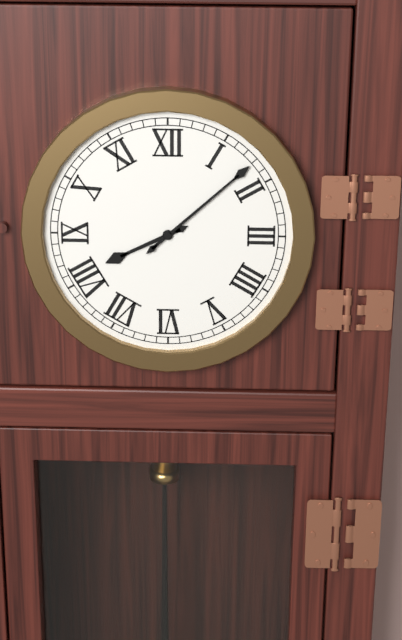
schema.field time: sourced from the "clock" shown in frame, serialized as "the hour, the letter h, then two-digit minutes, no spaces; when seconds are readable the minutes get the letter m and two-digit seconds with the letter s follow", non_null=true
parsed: 8h08
